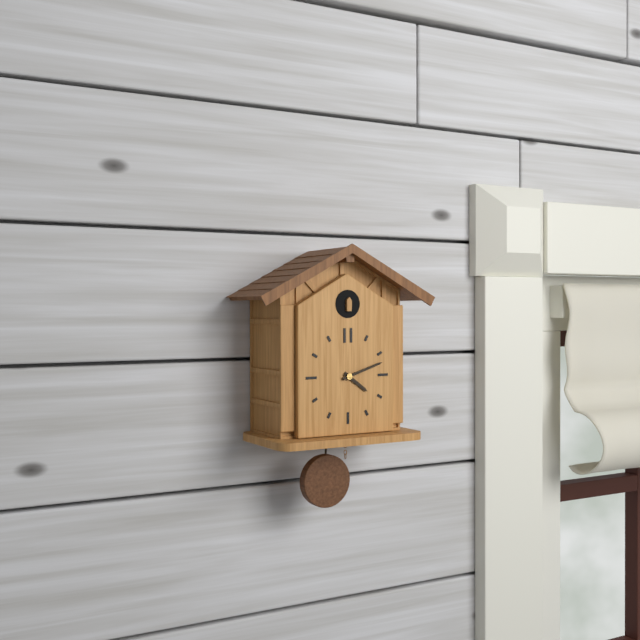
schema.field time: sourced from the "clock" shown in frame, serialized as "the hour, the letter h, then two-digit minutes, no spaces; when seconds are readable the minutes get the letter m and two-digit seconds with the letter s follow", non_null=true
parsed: 4h12
